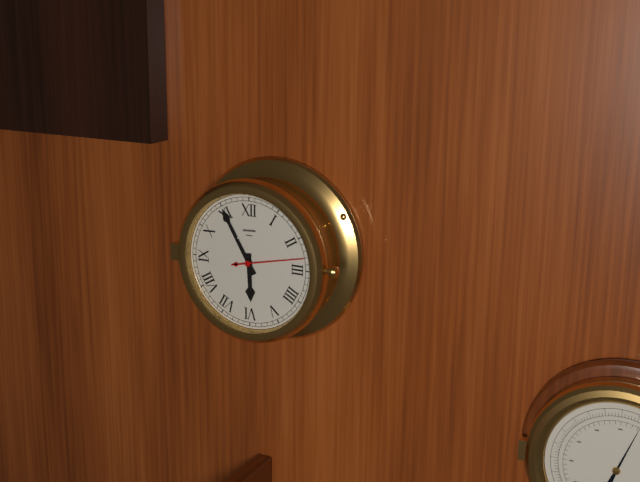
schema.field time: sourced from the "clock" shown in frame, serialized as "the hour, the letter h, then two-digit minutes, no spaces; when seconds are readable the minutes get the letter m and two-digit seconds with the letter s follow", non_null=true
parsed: 5h55
